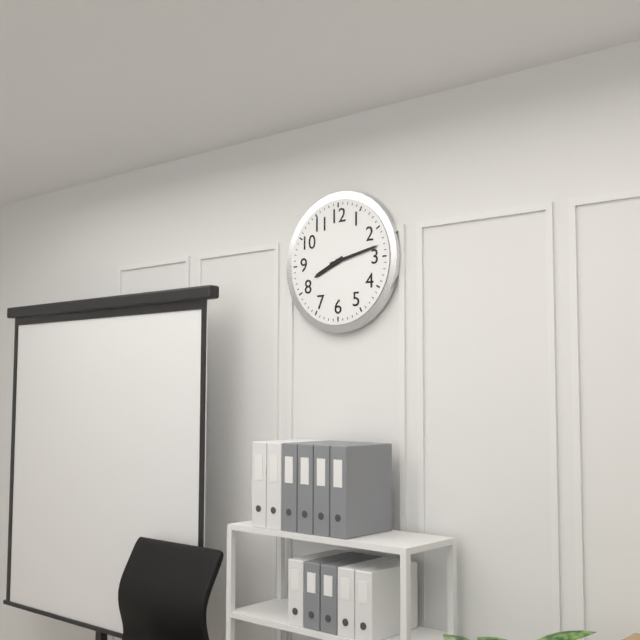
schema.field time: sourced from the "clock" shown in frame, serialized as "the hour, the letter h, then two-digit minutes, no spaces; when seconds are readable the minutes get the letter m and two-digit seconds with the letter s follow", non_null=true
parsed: 8h13
